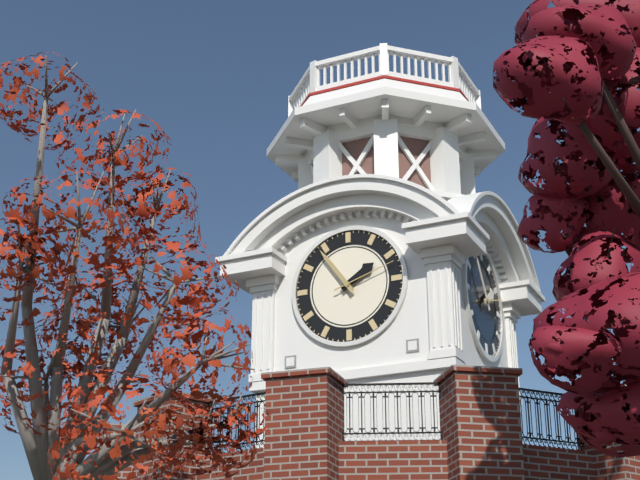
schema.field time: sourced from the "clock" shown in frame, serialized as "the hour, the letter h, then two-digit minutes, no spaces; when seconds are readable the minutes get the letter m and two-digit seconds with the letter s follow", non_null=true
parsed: 1h54m12s
